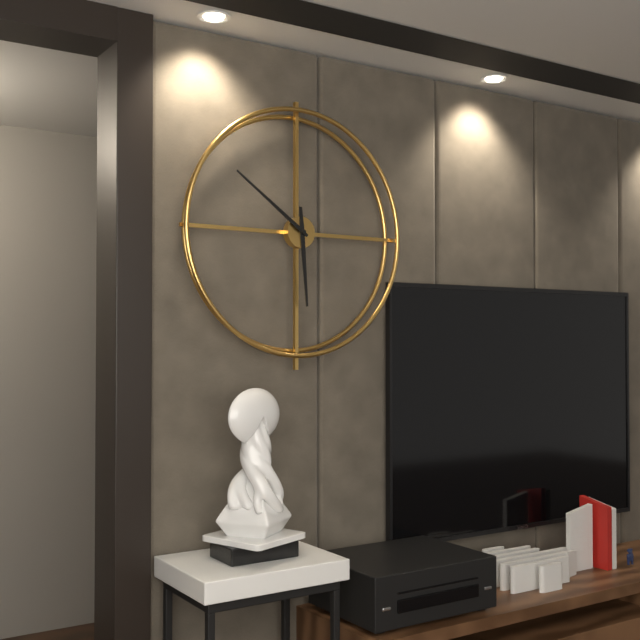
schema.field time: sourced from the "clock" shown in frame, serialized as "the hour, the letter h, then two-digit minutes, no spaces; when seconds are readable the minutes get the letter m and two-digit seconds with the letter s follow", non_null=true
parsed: 5h51
